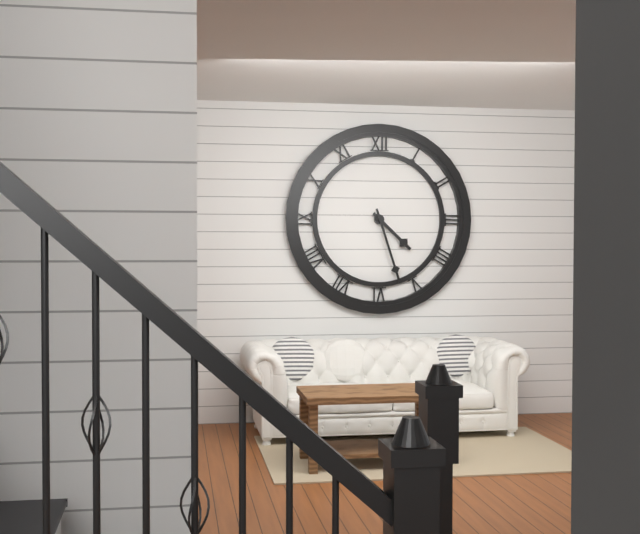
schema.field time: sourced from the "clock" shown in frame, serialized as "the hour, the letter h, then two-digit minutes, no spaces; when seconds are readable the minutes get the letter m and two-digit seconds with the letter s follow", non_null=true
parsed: 4h27
